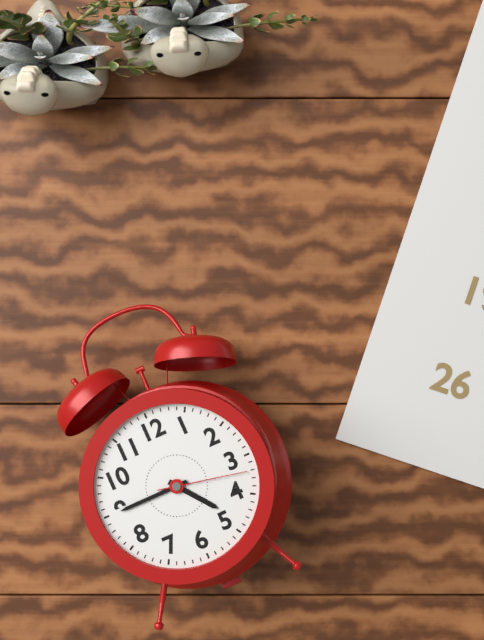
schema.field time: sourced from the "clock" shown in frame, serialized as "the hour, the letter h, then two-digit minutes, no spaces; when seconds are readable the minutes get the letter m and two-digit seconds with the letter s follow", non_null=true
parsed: 4h45m17s
